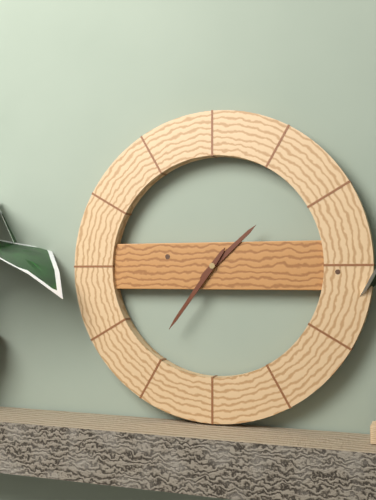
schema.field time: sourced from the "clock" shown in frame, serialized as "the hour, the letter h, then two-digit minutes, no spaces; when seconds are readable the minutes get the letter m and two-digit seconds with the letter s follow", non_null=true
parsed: 1h36
